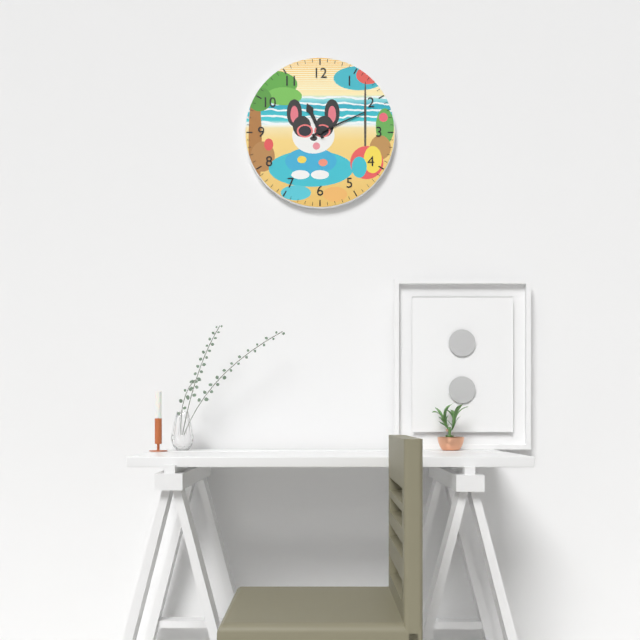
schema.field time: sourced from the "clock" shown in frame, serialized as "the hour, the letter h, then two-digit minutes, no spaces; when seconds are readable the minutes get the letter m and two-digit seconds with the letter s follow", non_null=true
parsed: 11h11
